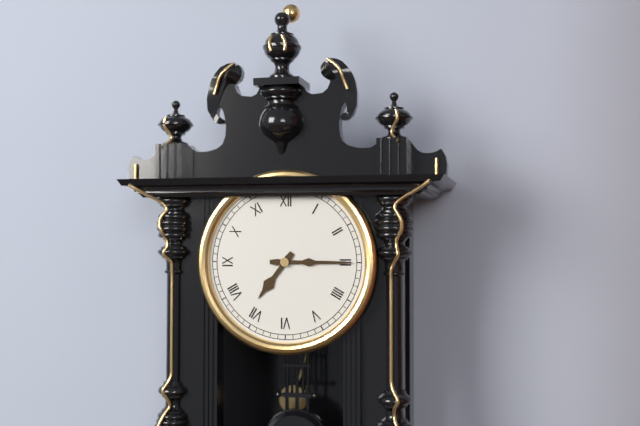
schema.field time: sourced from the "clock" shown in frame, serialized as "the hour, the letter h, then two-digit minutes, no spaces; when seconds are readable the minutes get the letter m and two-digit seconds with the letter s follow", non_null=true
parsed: 7h15
